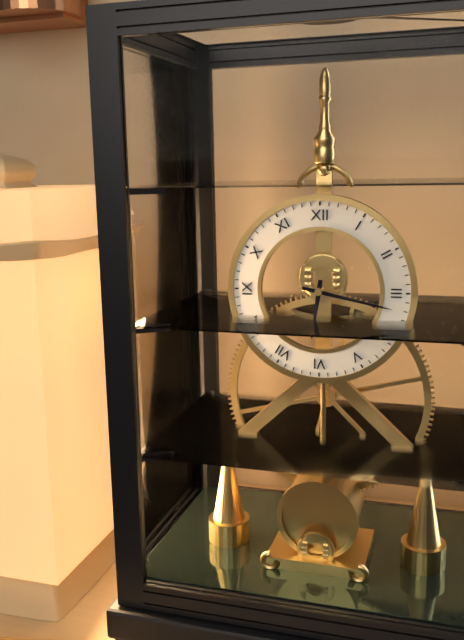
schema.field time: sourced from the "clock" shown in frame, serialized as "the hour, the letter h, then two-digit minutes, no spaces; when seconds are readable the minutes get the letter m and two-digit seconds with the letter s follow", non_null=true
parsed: 6h17
